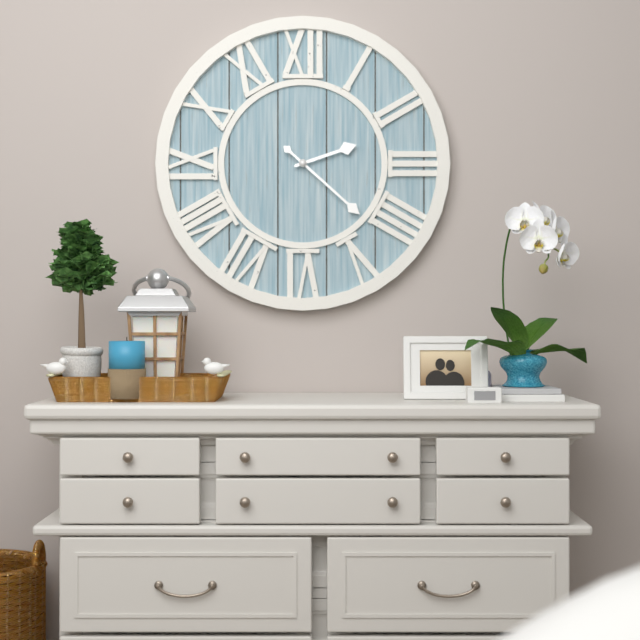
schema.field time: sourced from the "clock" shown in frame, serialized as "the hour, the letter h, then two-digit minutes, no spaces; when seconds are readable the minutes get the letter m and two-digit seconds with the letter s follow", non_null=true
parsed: 2h22
